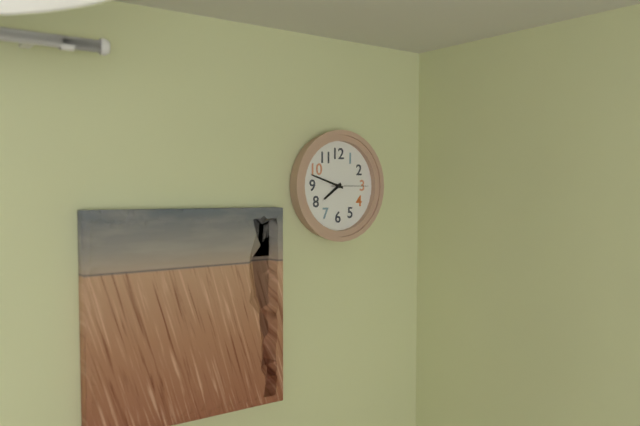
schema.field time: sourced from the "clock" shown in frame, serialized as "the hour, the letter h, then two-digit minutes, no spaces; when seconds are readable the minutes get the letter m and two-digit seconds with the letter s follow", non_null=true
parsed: 7h48
